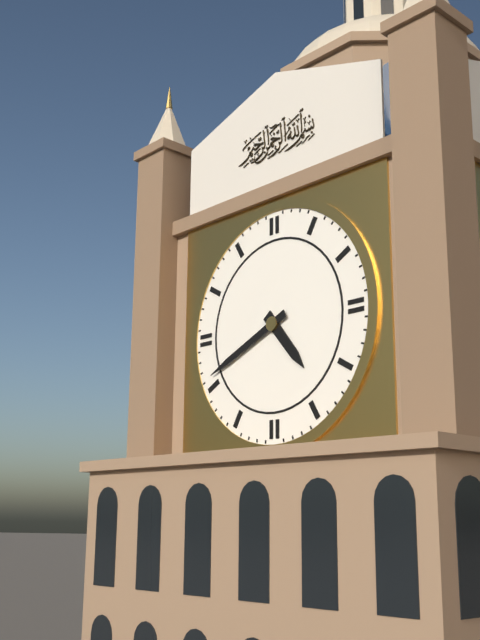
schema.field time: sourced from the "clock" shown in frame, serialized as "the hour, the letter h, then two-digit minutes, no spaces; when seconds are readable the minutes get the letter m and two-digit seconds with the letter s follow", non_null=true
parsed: 4h41
